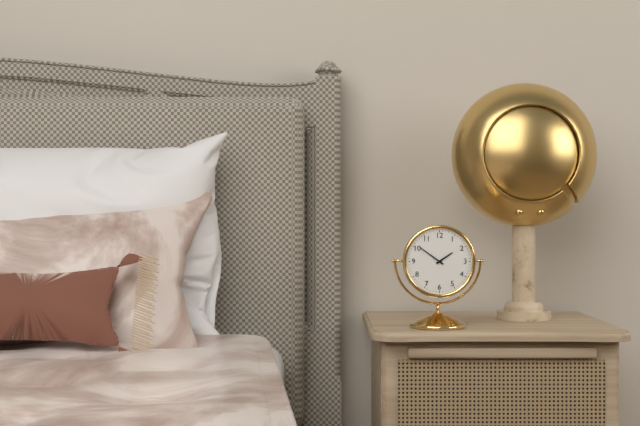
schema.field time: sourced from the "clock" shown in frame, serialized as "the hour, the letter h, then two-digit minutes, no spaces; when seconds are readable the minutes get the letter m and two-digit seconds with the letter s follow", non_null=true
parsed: 1h51
